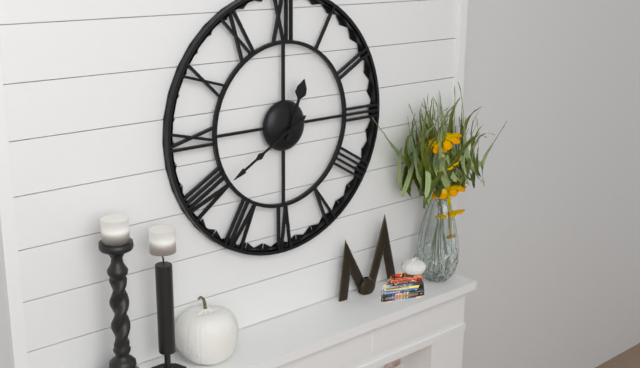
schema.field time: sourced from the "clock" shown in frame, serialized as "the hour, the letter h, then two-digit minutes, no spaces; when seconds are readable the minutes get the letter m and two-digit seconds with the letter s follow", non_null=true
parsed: 12h40
